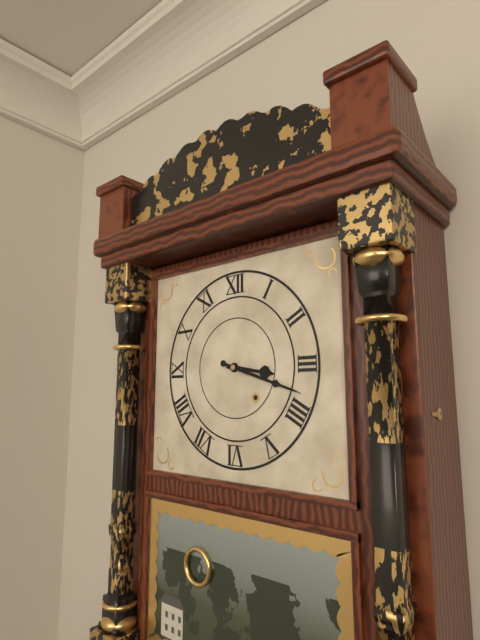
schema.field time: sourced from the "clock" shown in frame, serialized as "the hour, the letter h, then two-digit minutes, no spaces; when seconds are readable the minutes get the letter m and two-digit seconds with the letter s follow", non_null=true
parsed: 3h18
